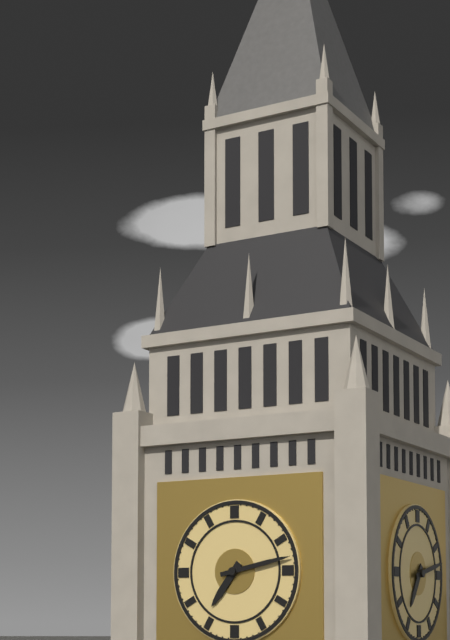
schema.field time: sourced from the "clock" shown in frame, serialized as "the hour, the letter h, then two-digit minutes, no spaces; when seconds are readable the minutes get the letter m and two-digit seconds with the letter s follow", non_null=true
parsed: 7h13
